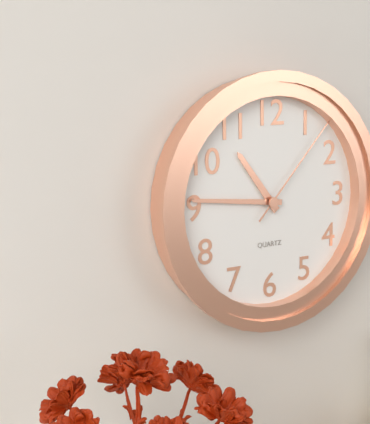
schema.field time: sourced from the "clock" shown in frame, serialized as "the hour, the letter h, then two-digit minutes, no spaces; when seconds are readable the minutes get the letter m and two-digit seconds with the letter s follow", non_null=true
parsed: 10h46m07s
